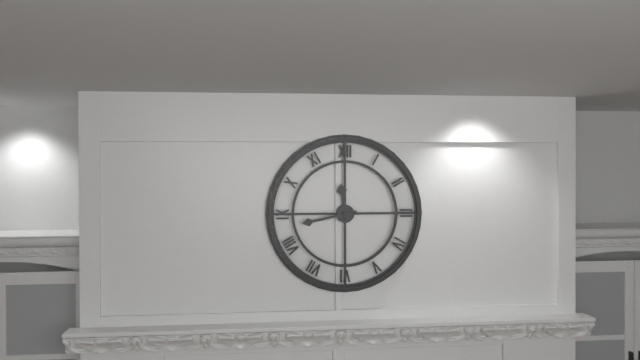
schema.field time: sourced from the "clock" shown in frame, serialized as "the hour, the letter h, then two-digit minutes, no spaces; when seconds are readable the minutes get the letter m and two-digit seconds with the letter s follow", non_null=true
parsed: 11h43
